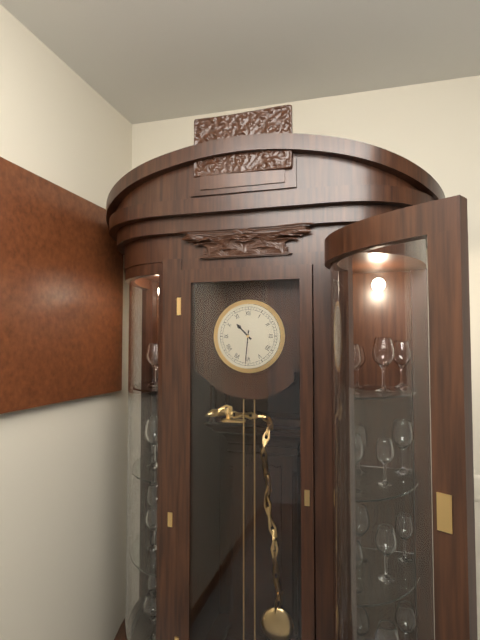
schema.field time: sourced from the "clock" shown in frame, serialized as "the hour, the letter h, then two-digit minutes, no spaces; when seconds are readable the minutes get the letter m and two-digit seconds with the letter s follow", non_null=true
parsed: 10h31
